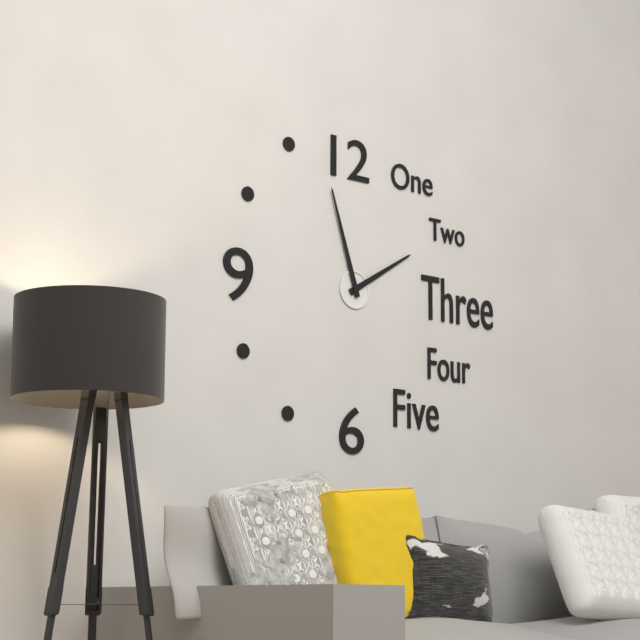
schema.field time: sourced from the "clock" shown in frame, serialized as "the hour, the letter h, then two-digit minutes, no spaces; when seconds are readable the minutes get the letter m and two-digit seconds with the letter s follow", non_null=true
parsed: 1h57
